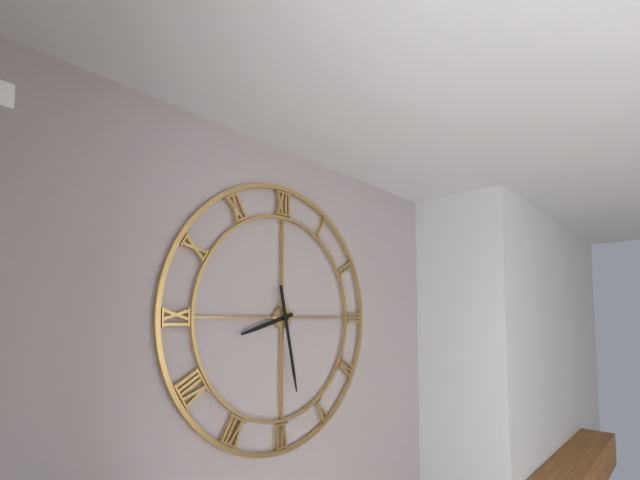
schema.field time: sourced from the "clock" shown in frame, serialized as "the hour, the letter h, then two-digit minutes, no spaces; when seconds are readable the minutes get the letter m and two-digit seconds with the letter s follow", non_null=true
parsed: 8h28
